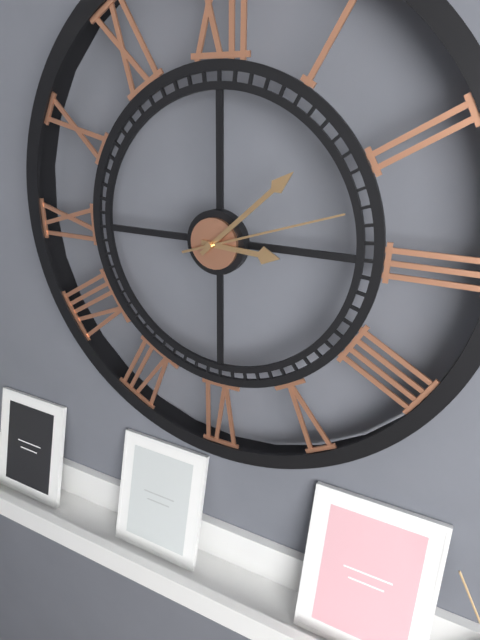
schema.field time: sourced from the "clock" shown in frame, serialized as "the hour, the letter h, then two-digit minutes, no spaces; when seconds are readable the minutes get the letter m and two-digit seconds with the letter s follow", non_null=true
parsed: 3h08m12s
